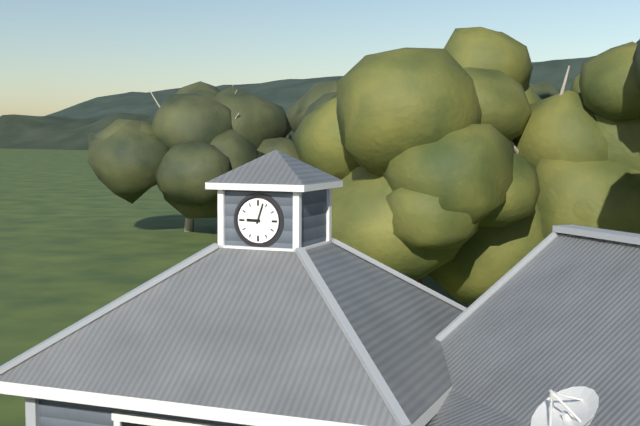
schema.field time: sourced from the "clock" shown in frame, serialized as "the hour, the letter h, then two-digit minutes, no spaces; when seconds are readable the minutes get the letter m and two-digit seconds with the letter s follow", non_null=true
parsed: 9h03
